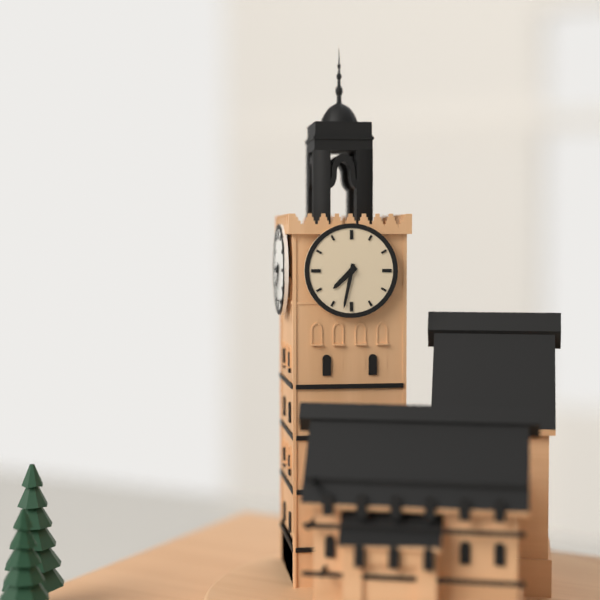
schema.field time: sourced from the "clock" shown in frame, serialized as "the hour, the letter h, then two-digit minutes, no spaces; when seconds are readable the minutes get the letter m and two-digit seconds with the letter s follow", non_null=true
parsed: 7h32
